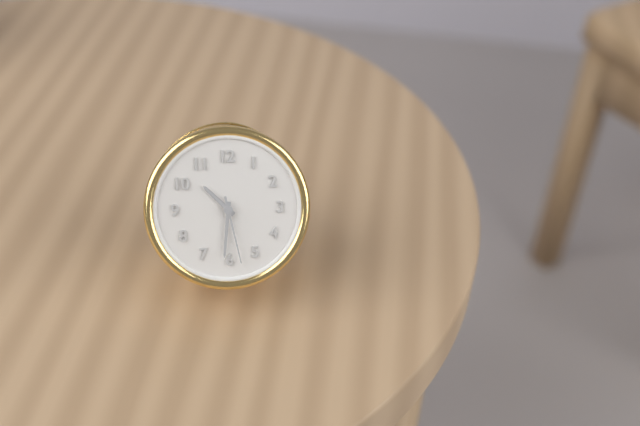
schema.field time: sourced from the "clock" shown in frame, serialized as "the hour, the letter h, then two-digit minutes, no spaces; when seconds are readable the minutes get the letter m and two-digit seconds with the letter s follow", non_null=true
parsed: 10h31m28s
